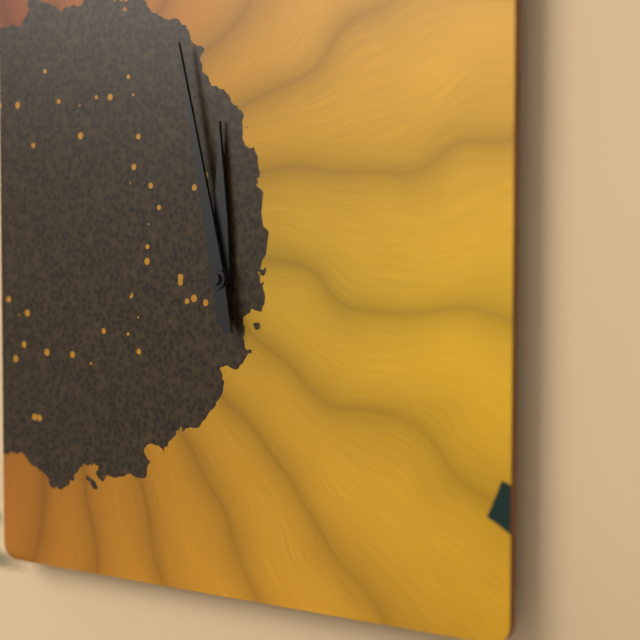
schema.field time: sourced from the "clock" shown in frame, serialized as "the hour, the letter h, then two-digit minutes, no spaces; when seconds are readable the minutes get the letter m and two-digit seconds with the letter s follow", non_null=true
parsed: 11h58
